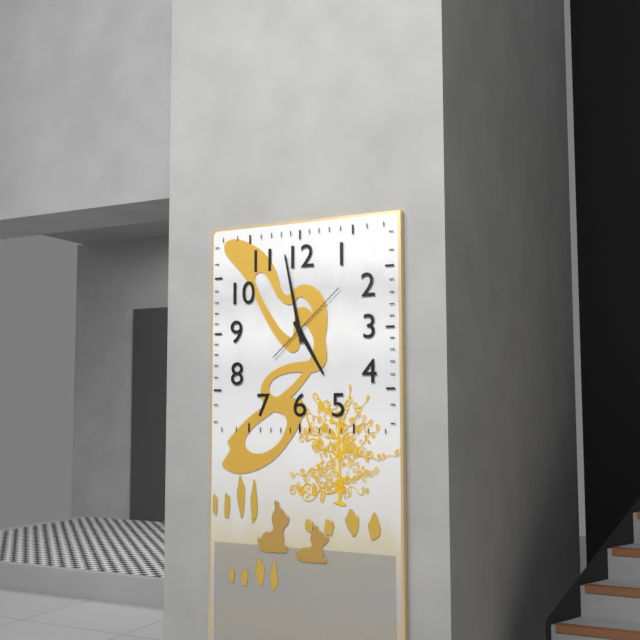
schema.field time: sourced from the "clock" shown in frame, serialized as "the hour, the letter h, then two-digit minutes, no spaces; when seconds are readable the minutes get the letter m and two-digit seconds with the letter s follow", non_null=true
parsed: 4h58m08s
